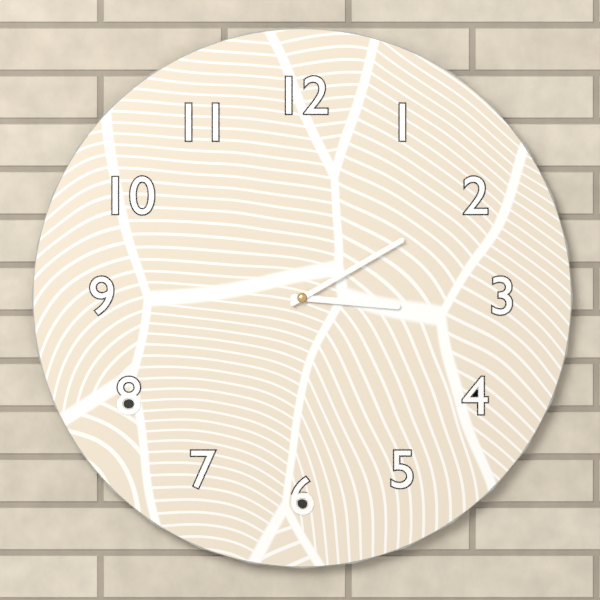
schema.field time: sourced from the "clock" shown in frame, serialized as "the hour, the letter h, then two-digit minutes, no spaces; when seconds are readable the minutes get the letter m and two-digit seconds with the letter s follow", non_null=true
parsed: 3h10
